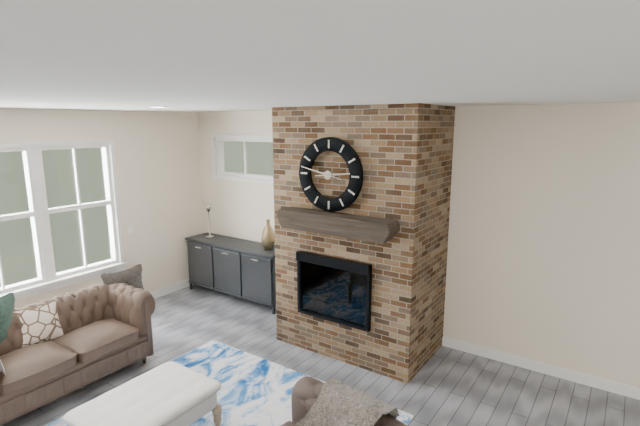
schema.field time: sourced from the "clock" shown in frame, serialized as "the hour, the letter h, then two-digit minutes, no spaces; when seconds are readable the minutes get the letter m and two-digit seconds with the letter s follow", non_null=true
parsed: 2h47
